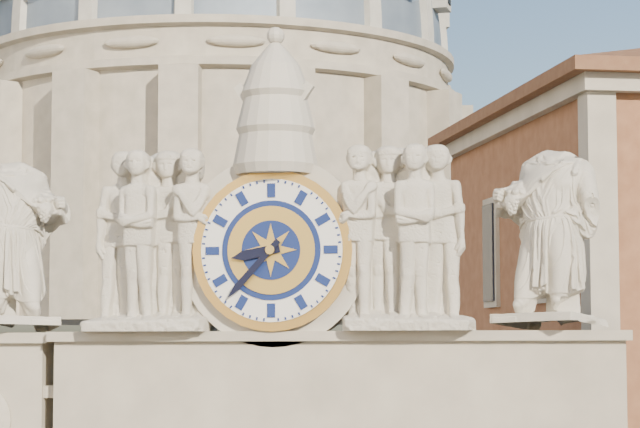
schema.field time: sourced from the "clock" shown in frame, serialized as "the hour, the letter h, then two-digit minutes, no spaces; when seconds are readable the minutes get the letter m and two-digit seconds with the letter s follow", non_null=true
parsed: 8h37
